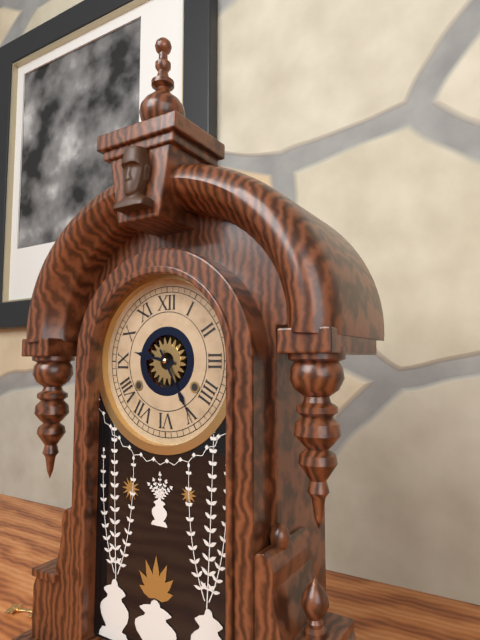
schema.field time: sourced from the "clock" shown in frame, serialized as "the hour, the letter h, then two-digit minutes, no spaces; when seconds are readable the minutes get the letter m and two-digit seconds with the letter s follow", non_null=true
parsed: 9h25
